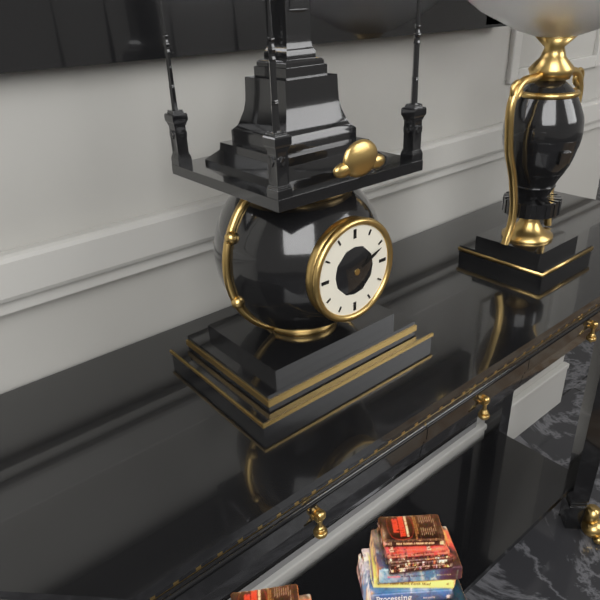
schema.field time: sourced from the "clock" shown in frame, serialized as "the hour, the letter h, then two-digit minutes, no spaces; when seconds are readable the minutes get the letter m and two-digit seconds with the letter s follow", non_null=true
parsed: 5h11
